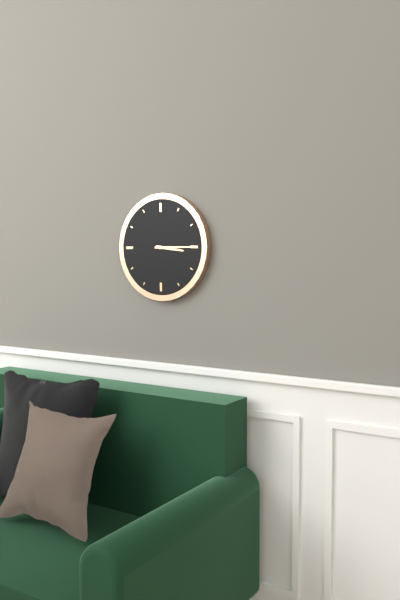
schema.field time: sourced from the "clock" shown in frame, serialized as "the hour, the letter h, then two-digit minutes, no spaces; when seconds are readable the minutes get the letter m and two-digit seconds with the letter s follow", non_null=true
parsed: 3h15
